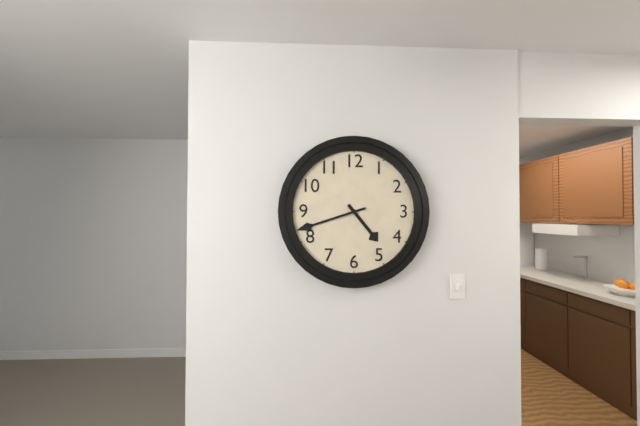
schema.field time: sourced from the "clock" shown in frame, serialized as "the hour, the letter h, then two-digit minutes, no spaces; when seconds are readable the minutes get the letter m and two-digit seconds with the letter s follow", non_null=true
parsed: 4h42
